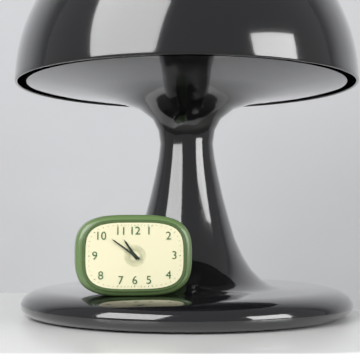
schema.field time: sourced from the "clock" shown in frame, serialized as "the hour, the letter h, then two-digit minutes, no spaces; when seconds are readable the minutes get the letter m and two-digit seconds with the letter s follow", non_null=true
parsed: 10h51
